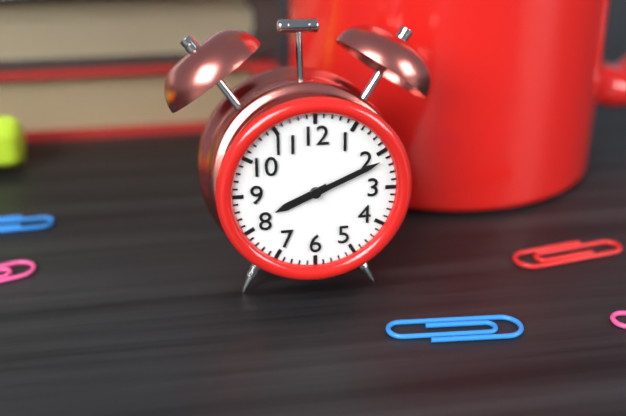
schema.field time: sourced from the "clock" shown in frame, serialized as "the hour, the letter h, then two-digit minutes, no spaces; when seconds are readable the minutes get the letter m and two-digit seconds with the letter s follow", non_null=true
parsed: 8h11
